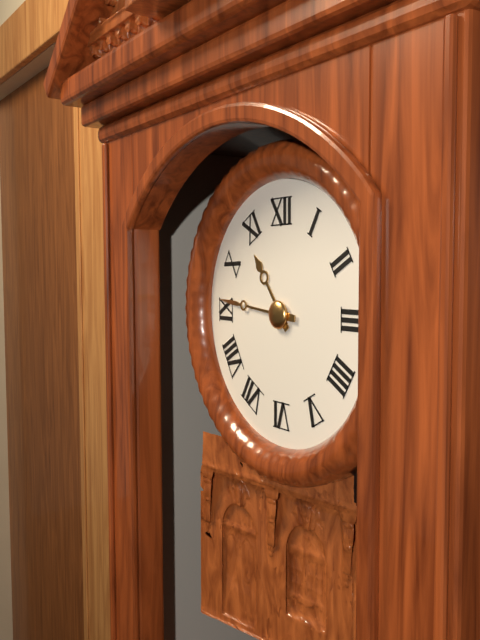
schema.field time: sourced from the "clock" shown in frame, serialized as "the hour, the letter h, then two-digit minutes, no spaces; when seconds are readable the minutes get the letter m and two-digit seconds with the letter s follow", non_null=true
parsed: 10h46
